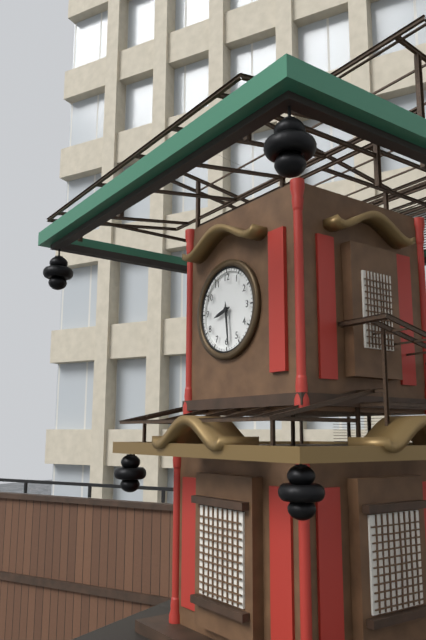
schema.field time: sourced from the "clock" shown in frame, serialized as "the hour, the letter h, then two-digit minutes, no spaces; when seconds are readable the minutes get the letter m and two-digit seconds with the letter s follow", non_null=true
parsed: 8h29
